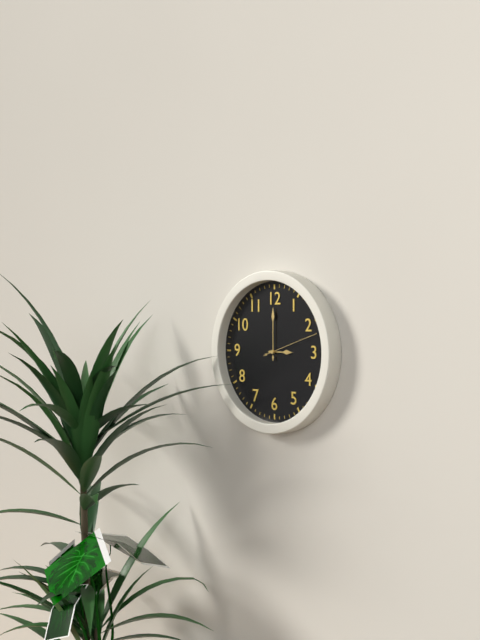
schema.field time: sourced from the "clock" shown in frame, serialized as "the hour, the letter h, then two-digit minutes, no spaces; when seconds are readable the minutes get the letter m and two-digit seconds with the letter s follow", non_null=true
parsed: 3h00m12s
